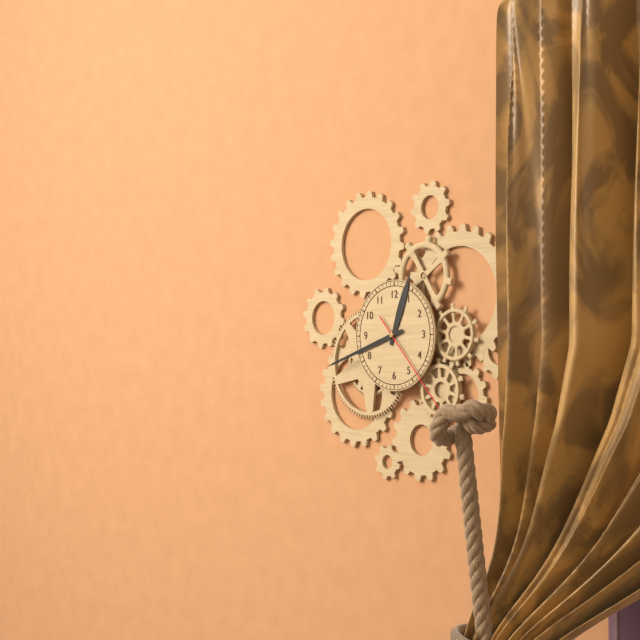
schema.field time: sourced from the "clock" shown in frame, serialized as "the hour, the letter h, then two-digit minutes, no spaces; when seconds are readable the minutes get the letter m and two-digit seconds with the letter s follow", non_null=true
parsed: 12h42m23s
